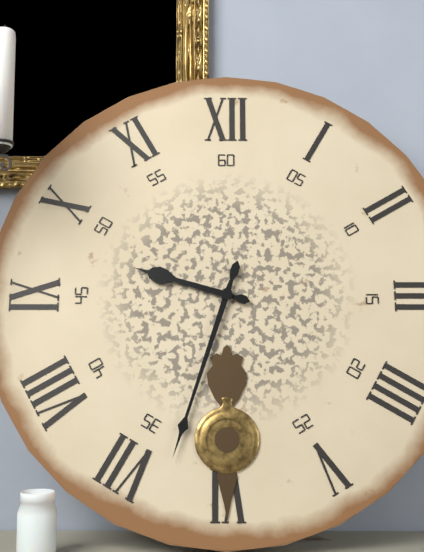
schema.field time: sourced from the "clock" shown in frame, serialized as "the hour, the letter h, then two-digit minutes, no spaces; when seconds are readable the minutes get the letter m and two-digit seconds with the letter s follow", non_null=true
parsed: 9h33
